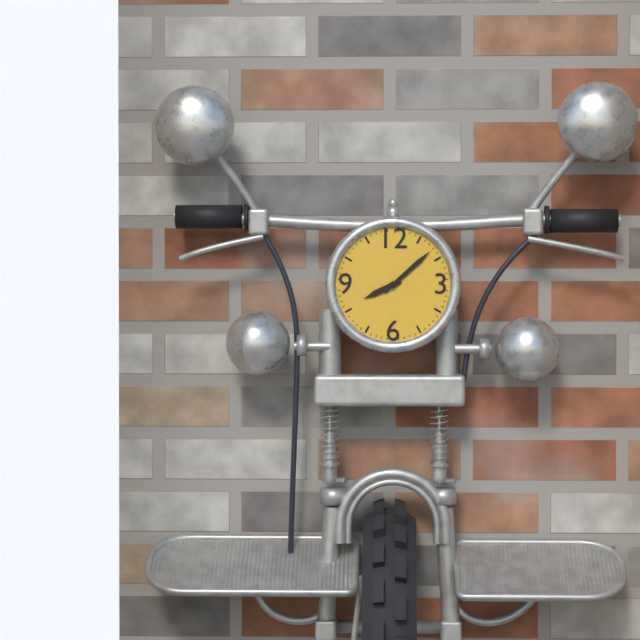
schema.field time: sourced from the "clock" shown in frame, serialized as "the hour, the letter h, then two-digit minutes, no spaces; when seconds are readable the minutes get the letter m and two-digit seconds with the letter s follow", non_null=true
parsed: 8h08
